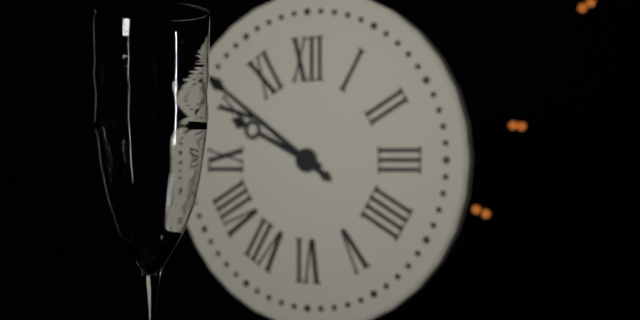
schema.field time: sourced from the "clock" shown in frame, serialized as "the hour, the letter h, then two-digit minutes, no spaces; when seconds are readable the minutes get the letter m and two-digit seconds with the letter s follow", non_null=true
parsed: 9h51
